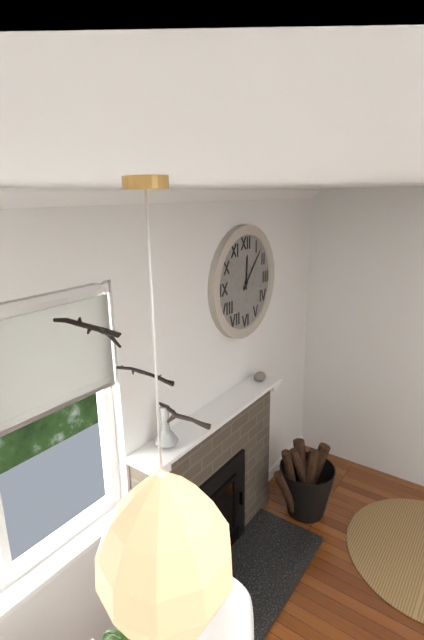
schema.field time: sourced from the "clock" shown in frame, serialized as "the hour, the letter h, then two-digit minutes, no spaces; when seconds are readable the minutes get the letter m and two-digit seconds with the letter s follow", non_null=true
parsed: 12h07
